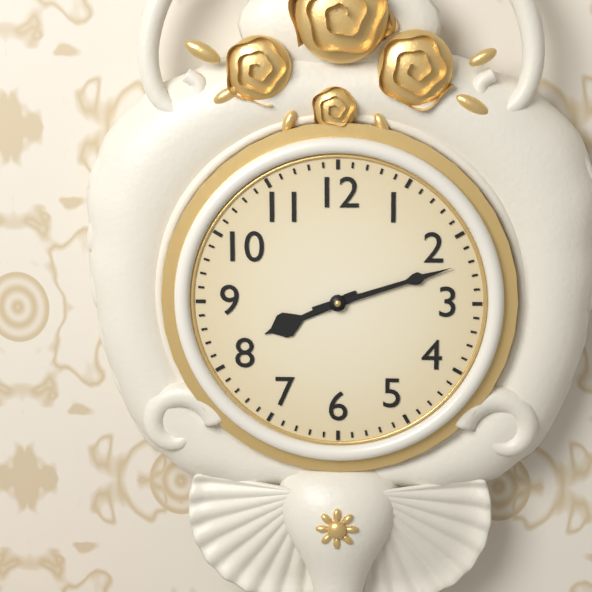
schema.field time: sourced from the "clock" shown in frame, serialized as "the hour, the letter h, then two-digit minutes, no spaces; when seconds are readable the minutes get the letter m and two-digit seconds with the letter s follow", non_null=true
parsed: 8h12
